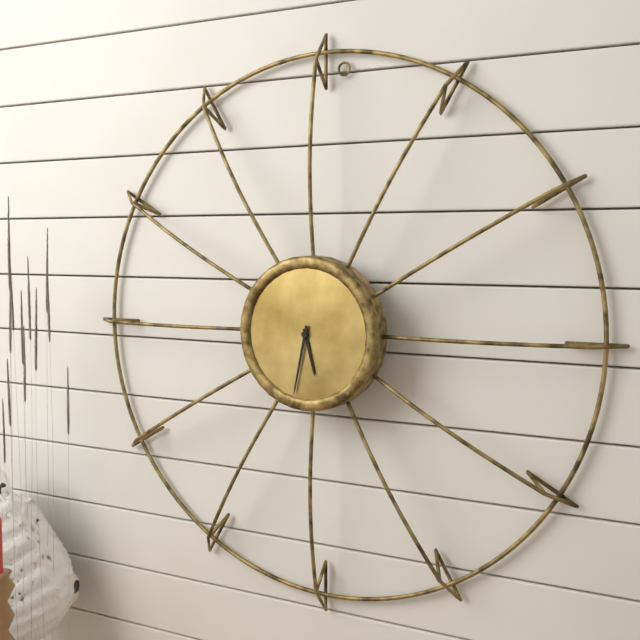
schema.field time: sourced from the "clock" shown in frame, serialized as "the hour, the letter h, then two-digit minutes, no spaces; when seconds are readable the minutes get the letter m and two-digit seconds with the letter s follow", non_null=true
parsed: 5h32
